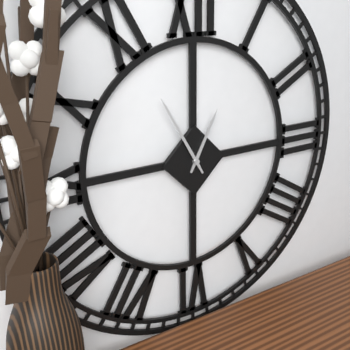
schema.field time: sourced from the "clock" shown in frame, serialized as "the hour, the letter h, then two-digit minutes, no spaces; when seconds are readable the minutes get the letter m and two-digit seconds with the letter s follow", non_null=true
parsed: 12h55
